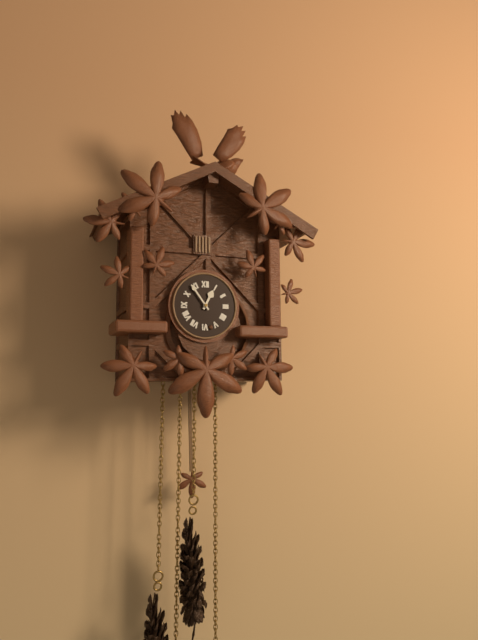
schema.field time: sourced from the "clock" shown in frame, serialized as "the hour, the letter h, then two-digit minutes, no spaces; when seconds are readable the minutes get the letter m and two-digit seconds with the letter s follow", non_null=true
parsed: 12h54
